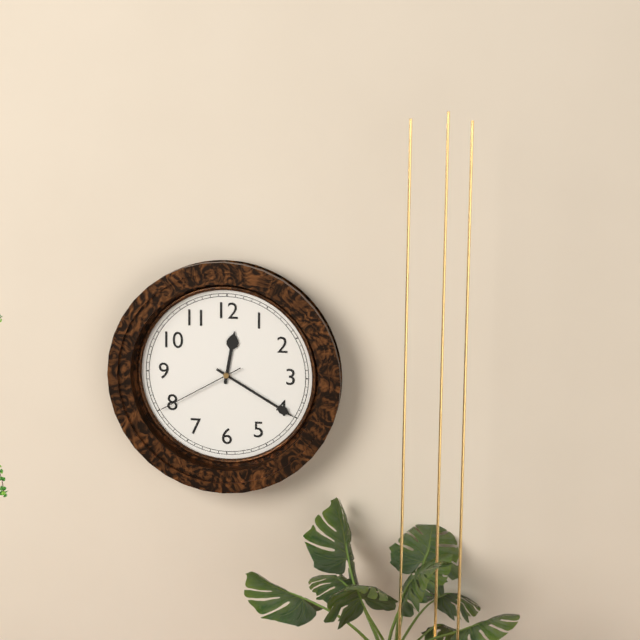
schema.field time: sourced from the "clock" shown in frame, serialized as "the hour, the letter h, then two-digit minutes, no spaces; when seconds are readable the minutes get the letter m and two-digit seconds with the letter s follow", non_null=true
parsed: 12h20m40s
